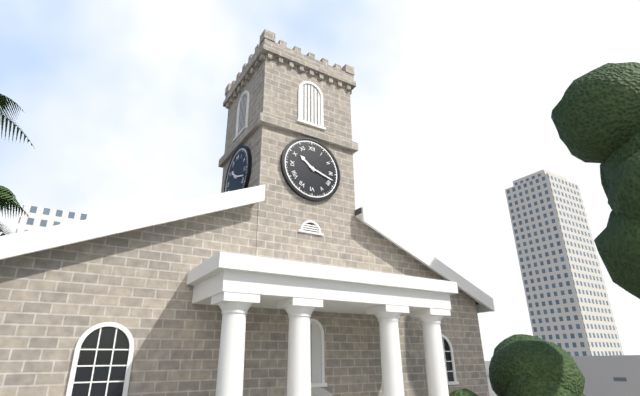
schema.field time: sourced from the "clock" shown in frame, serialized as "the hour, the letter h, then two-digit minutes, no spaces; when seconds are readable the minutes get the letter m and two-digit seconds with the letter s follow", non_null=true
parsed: 10h18
